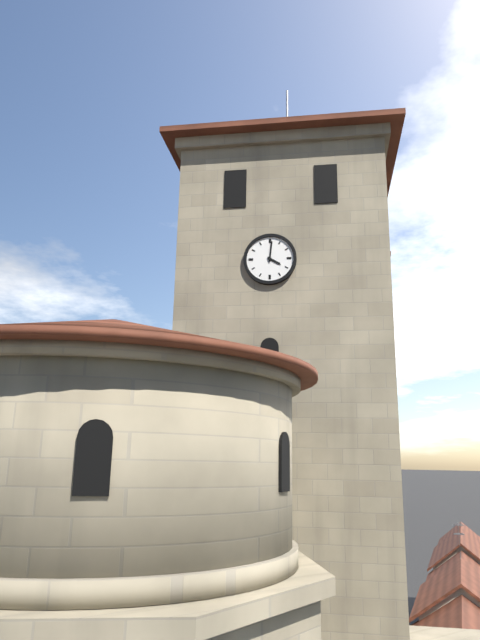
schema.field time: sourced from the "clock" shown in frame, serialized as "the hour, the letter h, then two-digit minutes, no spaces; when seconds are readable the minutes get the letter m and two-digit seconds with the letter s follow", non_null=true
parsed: 4h01
